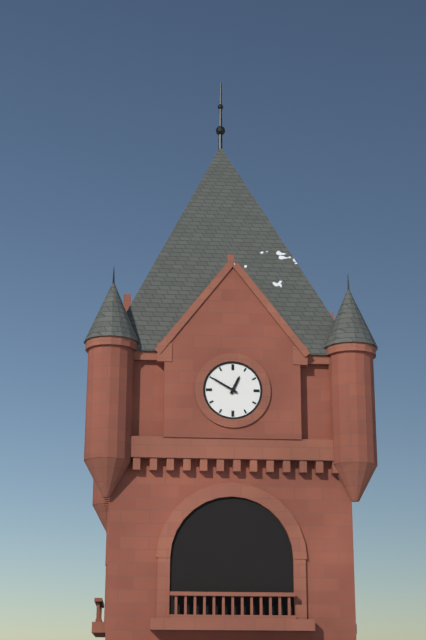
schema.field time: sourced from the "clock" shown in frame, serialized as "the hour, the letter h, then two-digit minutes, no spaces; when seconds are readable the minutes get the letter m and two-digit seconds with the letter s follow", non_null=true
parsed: 12h50
